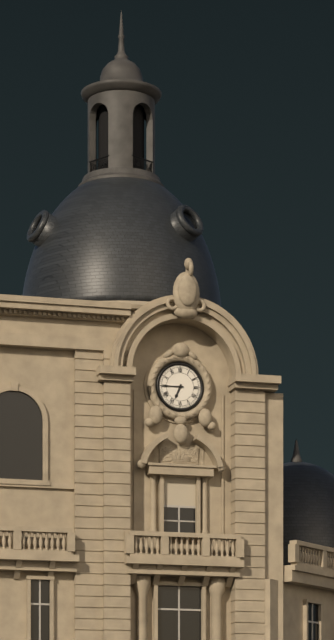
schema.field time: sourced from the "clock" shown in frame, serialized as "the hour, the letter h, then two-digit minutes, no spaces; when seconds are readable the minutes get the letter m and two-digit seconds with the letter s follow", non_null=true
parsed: 6h45
